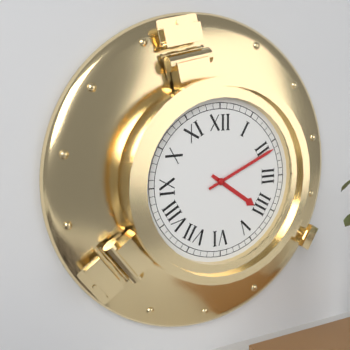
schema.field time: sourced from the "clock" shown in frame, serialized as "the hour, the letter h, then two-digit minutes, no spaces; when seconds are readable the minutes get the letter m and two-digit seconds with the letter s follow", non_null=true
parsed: 4h11
